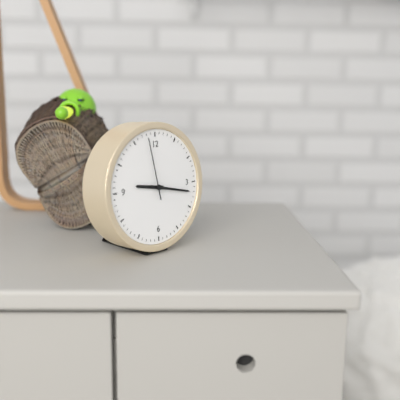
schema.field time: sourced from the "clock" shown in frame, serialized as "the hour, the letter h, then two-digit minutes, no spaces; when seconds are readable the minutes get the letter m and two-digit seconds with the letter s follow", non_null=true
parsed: 9h17m58s
